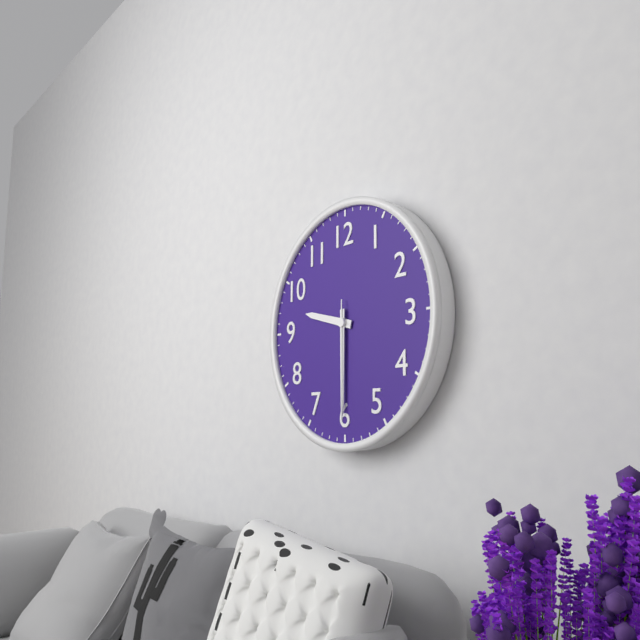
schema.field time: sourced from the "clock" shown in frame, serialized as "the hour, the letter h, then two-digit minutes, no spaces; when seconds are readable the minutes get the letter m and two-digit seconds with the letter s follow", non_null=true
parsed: 9h30m30s
